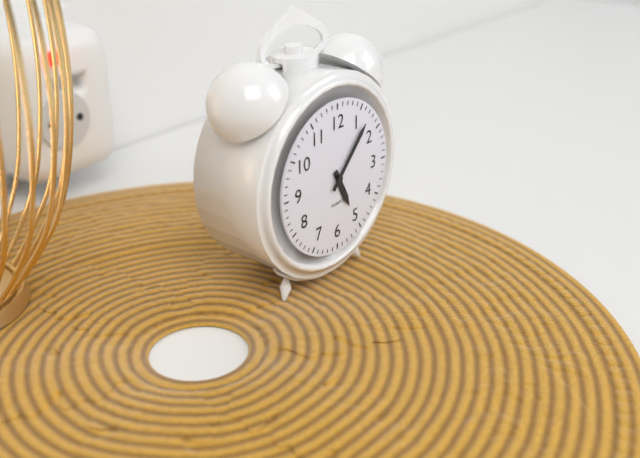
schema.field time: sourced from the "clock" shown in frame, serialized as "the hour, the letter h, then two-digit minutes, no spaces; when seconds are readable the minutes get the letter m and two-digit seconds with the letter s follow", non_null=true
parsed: 5h07
